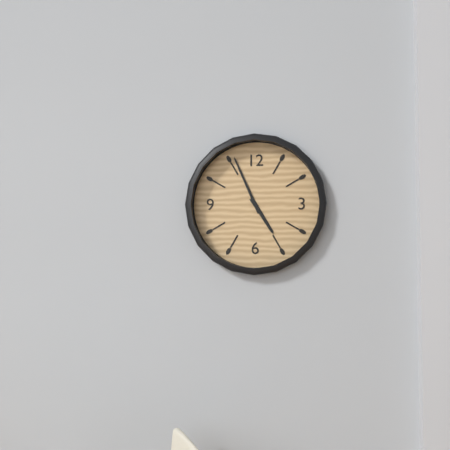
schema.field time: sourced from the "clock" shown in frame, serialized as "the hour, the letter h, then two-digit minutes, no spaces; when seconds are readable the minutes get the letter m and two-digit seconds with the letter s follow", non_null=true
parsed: 4h56
